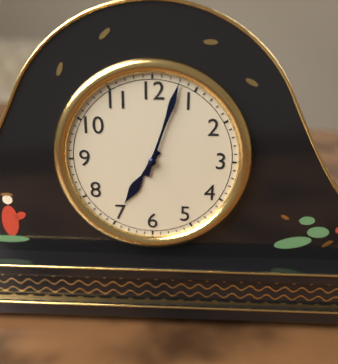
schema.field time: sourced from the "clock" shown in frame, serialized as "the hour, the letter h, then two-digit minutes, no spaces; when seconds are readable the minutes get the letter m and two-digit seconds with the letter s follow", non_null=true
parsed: 7h03
